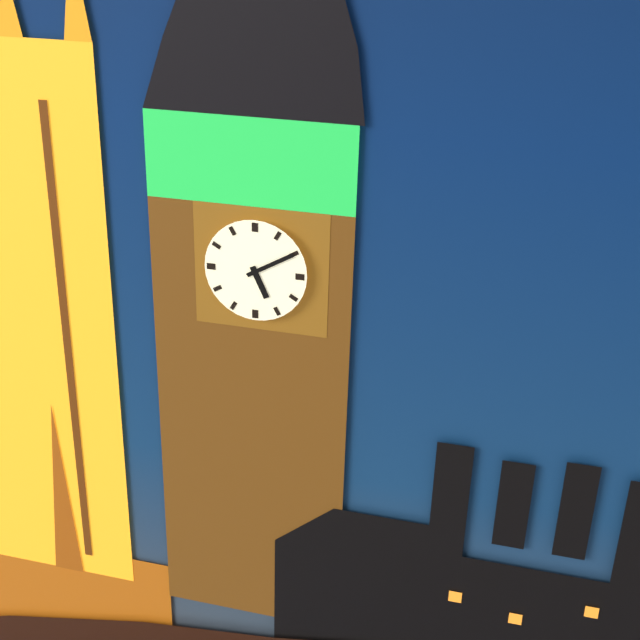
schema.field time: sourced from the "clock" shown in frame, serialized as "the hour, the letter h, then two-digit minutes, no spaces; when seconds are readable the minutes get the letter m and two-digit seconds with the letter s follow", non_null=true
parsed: 5h10
